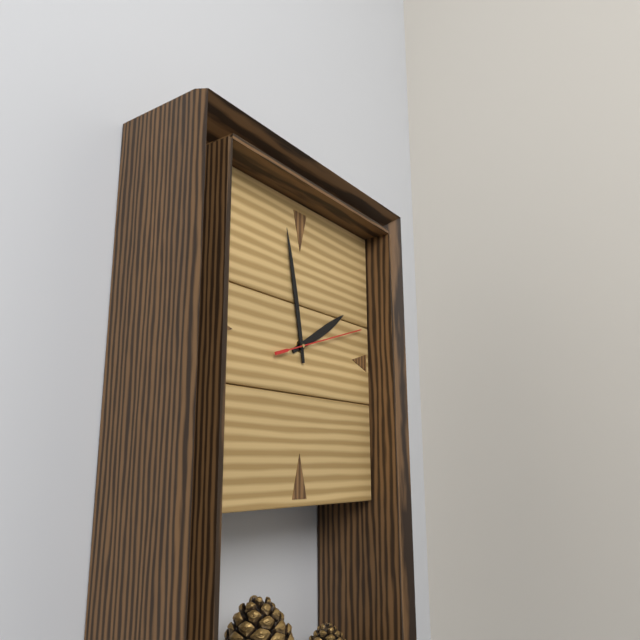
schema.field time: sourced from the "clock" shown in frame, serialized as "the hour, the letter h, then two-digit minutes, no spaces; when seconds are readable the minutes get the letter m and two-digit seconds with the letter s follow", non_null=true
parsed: 1h58m12s
